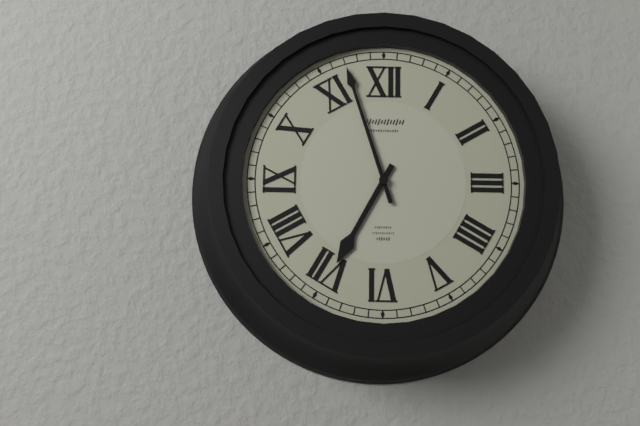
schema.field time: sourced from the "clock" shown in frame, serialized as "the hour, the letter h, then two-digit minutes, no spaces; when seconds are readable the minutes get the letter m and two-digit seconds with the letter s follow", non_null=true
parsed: 6h57
